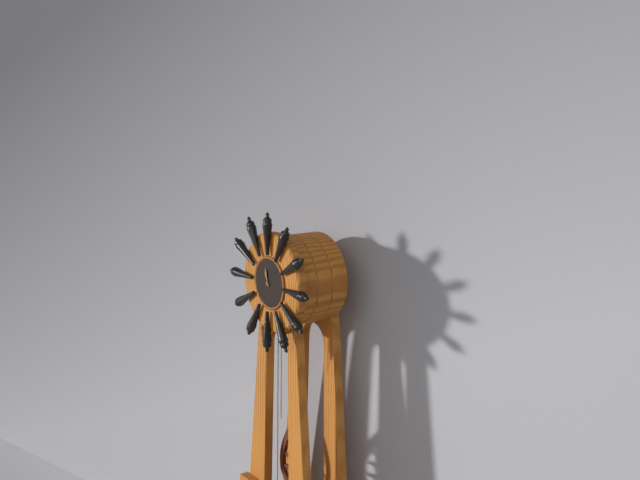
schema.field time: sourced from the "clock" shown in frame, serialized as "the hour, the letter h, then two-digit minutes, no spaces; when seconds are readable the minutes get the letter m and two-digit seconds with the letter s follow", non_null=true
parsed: 10h57
